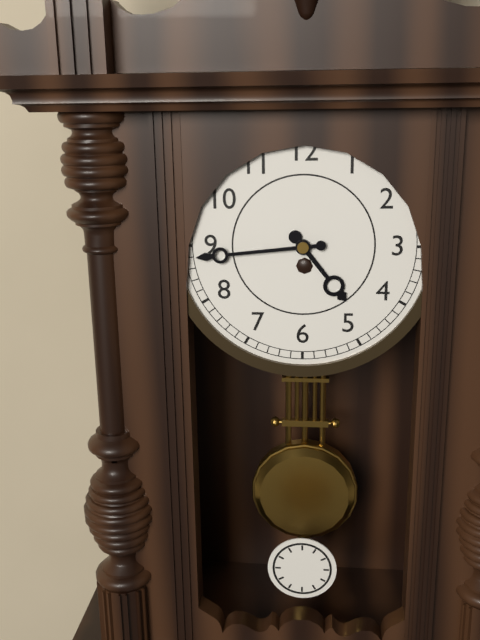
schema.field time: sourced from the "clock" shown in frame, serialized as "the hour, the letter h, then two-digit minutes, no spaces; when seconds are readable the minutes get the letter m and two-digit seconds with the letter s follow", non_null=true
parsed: 4h44
